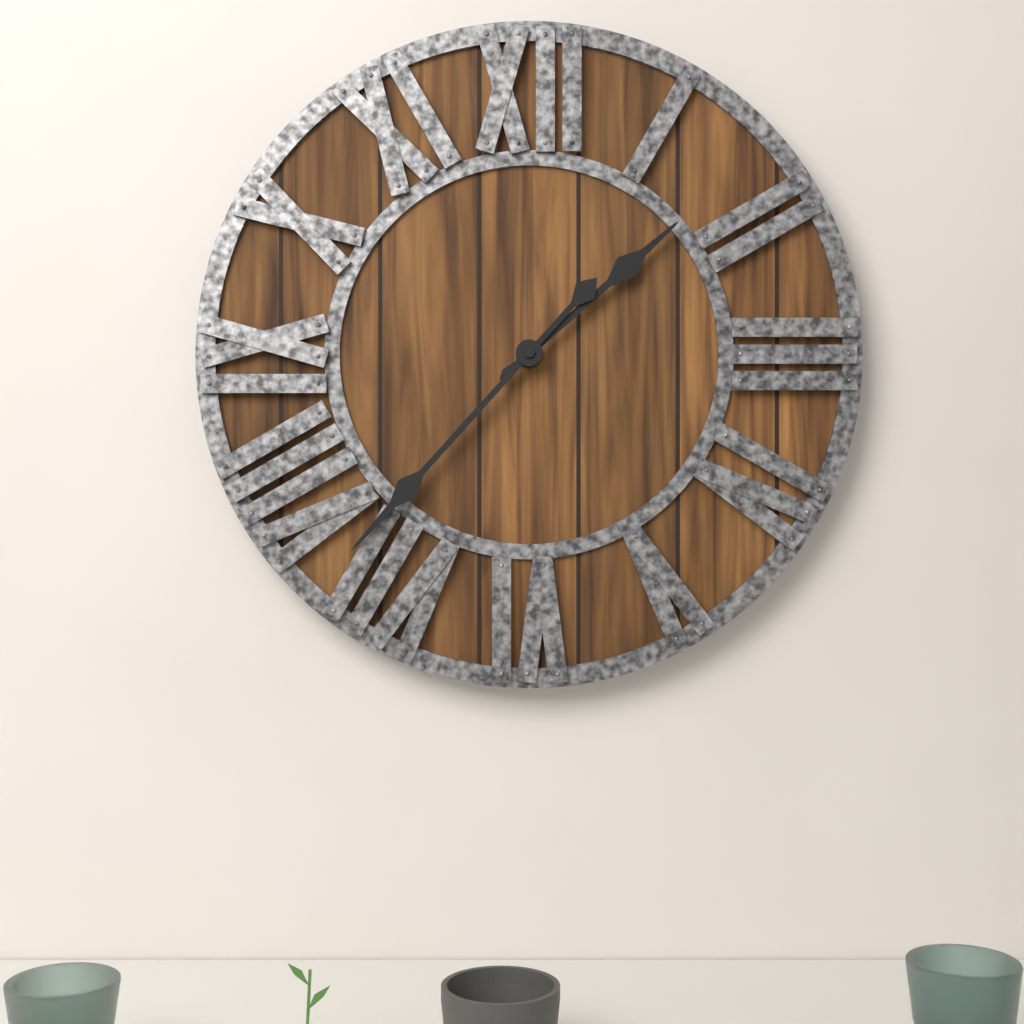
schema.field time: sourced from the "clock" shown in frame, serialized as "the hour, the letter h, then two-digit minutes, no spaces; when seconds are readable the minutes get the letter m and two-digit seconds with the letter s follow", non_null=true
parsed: 1h37
